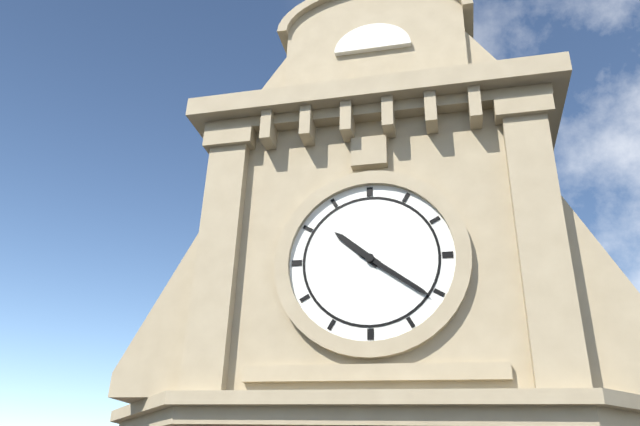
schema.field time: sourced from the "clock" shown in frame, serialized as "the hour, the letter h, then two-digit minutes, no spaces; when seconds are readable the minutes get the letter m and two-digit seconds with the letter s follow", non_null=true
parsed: 10h21
